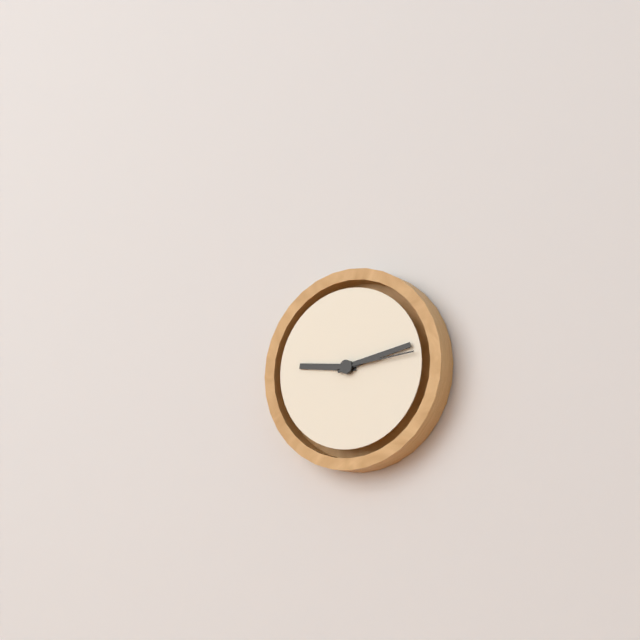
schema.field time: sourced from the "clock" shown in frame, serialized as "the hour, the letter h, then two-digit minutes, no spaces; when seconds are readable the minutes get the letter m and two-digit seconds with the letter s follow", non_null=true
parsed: 9h13m14s
